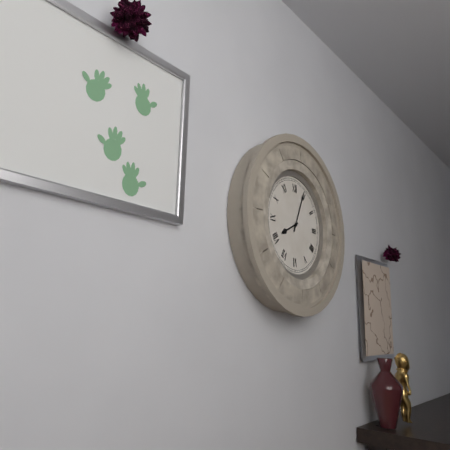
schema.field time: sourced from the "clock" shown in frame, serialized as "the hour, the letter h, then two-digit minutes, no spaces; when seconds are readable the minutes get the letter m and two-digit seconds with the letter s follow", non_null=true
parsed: 8h04
